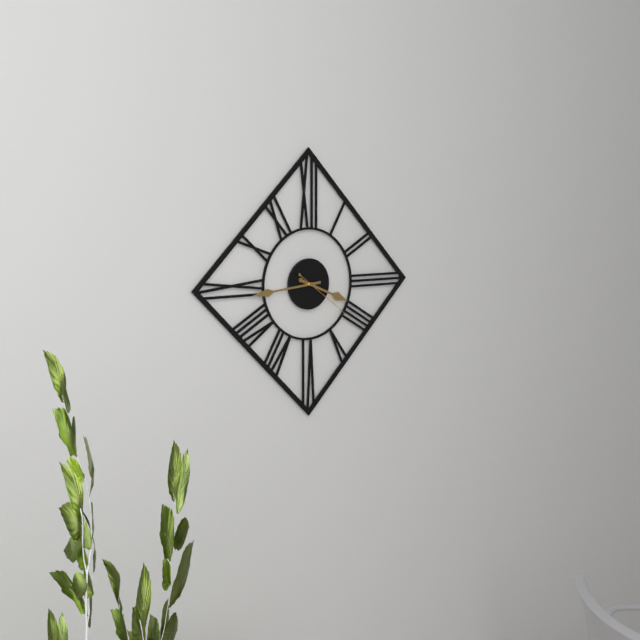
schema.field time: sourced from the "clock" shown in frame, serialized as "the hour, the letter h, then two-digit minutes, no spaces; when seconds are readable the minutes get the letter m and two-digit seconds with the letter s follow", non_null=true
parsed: 3h44m21s
